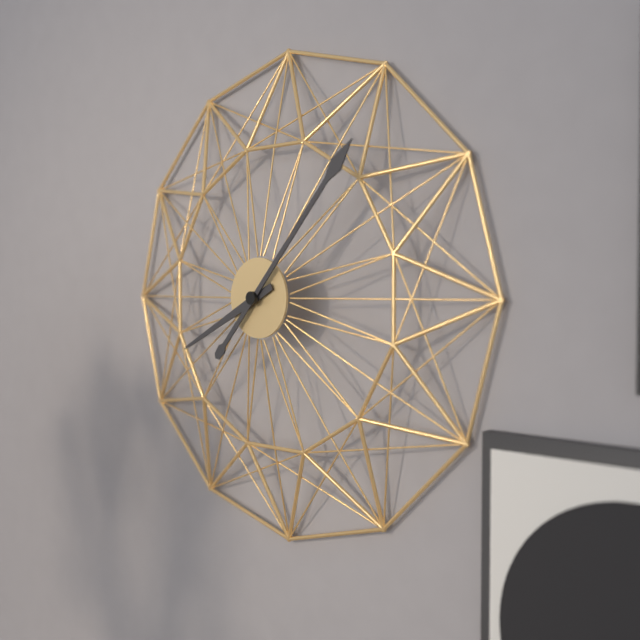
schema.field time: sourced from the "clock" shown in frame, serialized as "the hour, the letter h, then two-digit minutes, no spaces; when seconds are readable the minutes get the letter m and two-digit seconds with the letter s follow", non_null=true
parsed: 8h07
